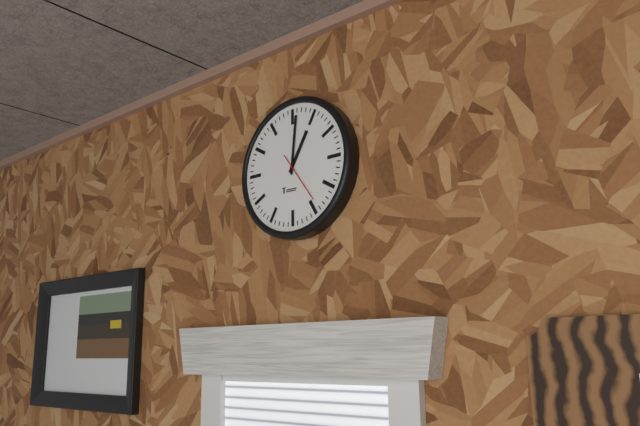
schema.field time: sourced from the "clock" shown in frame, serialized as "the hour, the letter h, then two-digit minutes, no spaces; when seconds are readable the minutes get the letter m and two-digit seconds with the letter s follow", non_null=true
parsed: 1h01
